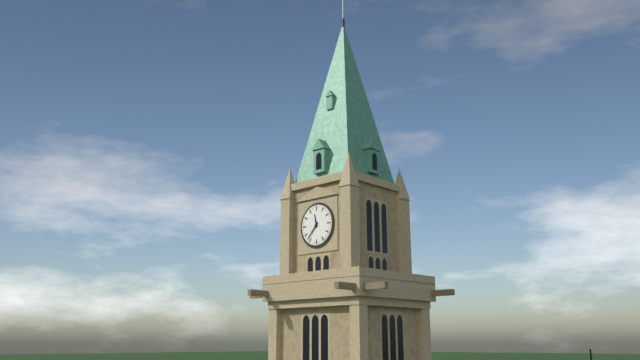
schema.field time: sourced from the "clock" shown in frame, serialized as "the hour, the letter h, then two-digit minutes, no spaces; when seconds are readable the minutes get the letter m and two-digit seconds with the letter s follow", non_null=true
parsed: 11h37
